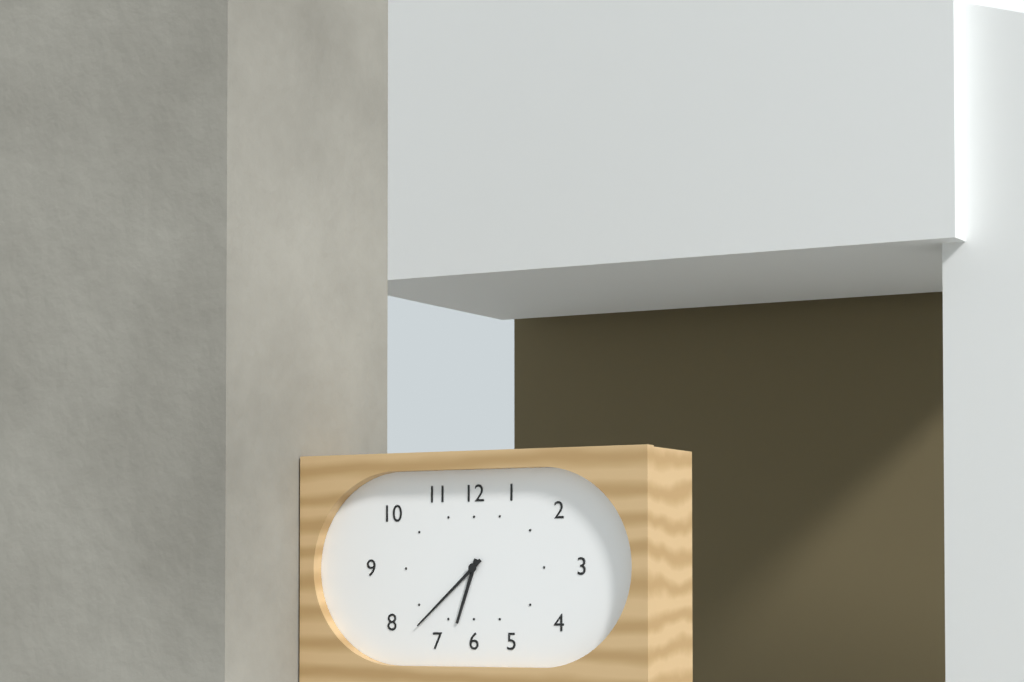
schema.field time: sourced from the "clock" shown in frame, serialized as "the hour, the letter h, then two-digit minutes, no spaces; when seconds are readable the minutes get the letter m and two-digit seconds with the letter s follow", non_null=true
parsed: 6h38
